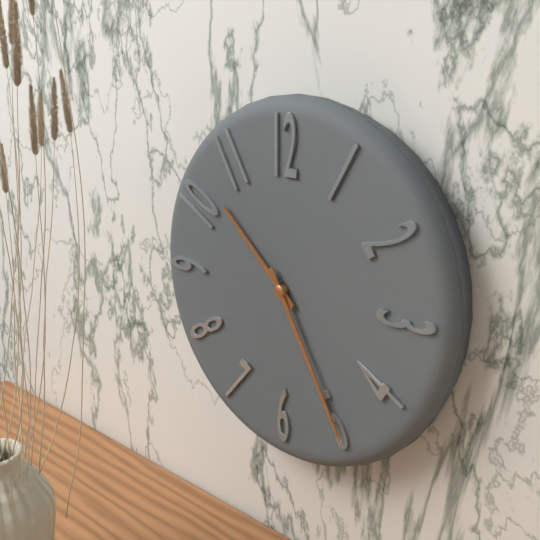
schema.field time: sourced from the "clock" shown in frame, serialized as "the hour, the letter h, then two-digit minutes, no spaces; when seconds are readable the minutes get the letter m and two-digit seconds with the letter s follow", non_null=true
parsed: 10h25
